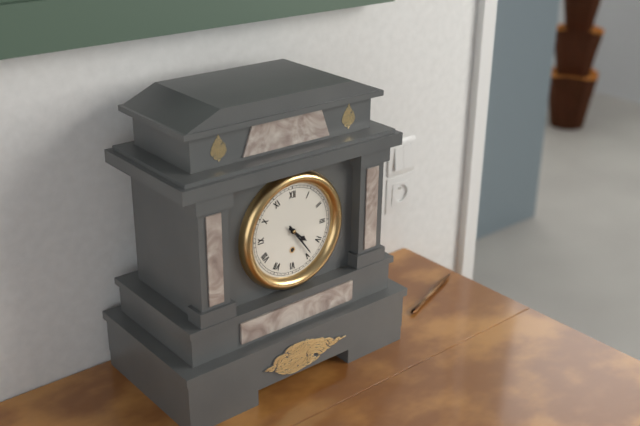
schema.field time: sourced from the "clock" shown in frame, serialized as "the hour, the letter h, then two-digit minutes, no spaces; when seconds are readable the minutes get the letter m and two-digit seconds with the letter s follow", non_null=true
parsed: 4h24
